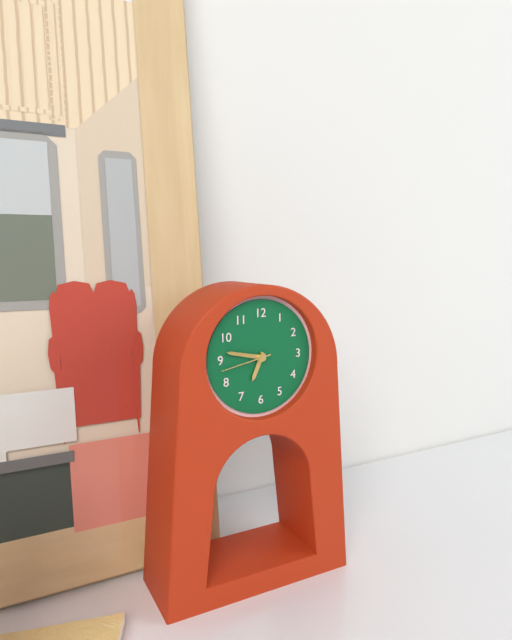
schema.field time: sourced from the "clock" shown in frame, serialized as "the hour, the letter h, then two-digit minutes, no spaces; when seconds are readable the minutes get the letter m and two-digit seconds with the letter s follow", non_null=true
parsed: 6h47m43s
